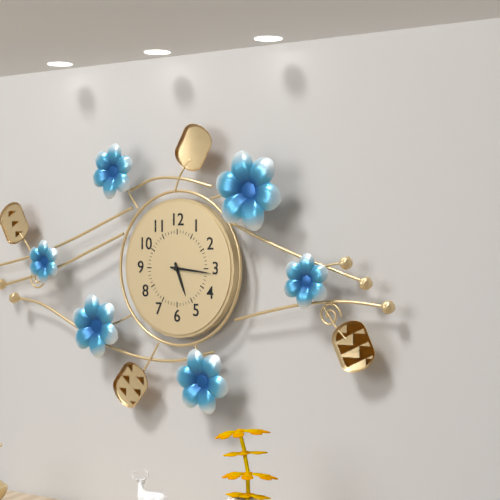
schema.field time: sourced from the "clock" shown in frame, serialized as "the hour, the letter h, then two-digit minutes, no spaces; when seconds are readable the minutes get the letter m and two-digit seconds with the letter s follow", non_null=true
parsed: 5h16
